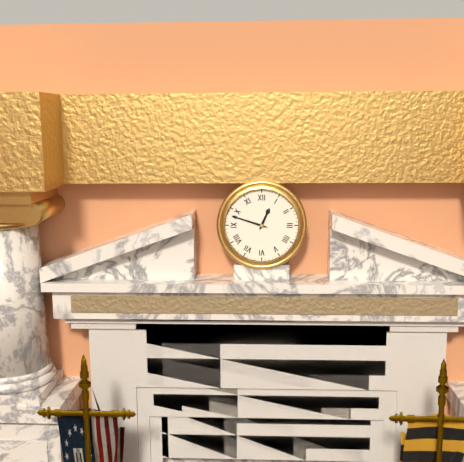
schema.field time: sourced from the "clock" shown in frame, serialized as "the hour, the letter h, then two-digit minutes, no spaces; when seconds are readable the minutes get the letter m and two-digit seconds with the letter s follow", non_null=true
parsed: 12h48
